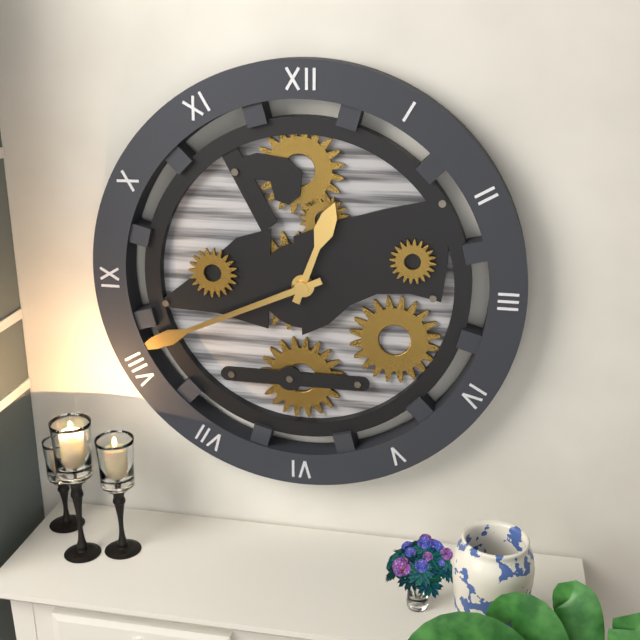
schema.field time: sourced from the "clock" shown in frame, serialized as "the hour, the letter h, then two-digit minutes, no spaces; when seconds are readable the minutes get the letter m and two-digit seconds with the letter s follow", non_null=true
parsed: 12h41
